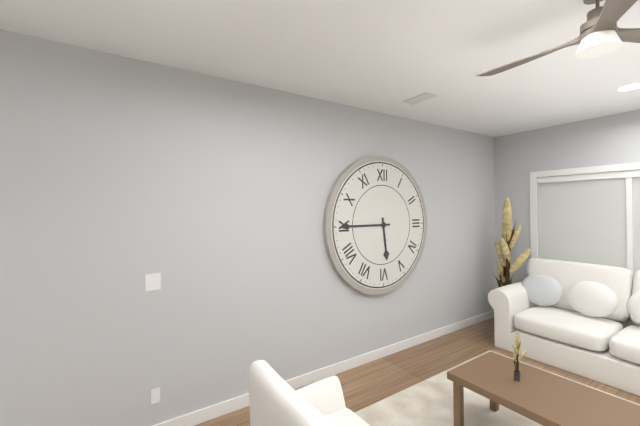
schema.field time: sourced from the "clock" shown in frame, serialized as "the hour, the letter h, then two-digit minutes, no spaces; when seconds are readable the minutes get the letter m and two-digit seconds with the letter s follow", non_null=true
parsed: 5h45
